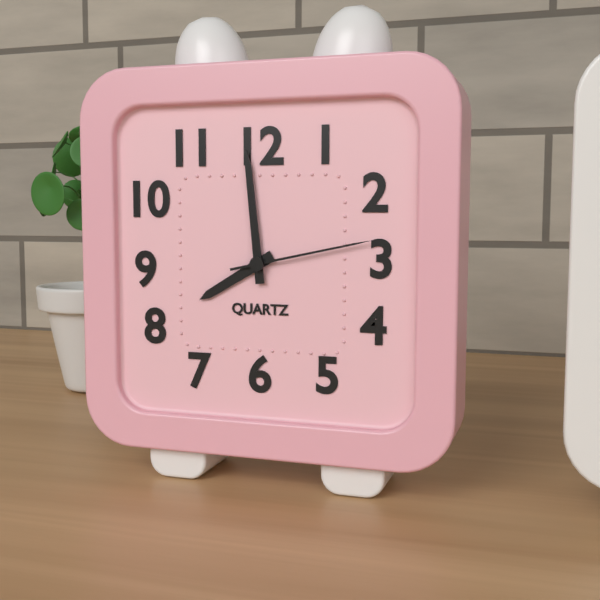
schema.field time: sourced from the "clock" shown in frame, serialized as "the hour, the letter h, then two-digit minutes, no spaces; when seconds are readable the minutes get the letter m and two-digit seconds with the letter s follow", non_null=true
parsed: 7h59m13s
